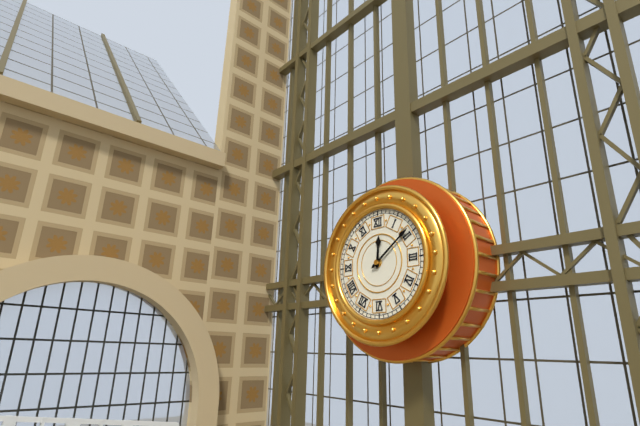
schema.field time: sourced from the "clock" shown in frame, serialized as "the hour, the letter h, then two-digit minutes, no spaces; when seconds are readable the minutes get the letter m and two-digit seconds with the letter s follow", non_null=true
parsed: 12h09
